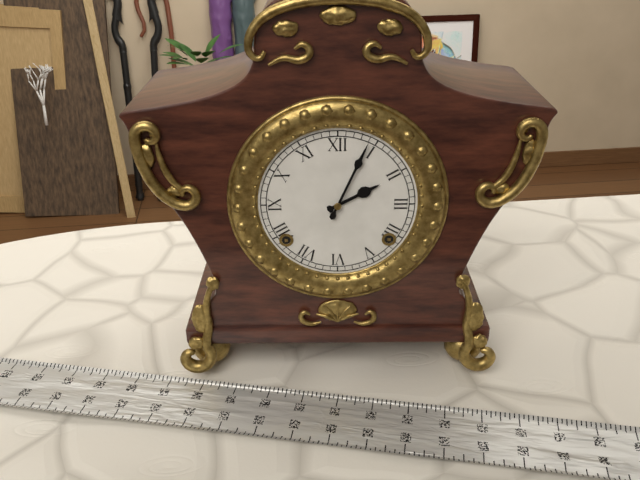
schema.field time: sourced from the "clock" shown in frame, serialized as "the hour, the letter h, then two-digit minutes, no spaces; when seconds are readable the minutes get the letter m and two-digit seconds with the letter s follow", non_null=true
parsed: 2h04
